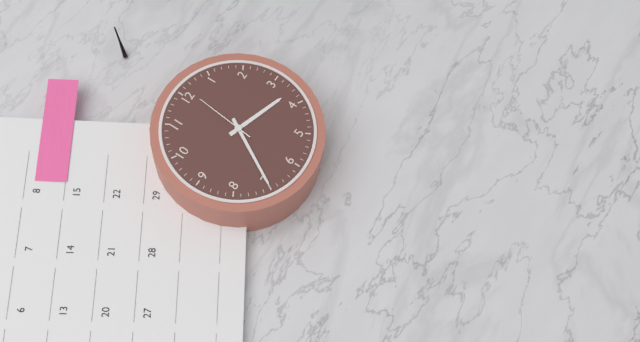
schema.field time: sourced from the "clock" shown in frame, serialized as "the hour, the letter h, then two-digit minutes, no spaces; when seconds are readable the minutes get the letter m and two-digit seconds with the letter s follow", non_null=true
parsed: 3h35m01s
